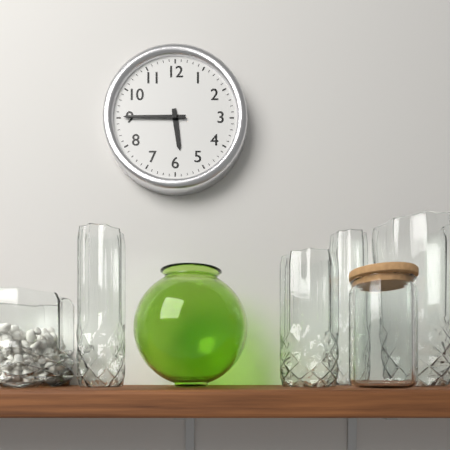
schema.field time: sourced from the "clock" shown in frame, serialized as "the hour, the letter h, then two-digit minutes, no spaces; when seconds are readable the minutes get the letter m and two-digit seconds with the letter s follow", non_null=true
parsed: 5h45
